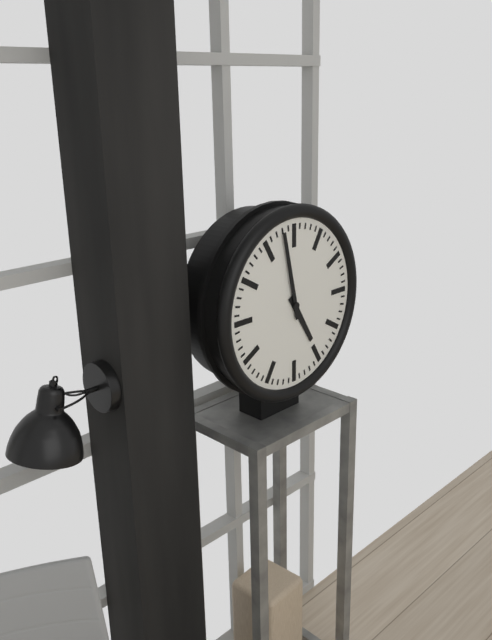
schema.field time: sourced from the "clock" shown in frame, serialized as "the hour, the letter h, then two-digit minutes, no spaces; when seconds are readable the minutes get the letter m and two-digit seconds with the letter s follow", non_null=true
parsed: 4h58
